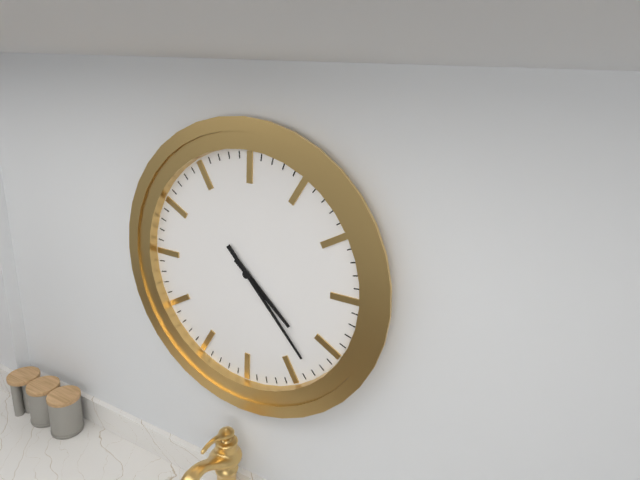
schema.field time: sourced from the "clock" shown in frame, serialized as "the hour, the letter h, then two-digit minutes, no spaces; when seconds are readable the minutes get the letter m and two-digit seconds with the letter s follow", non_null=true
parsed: 4h23
